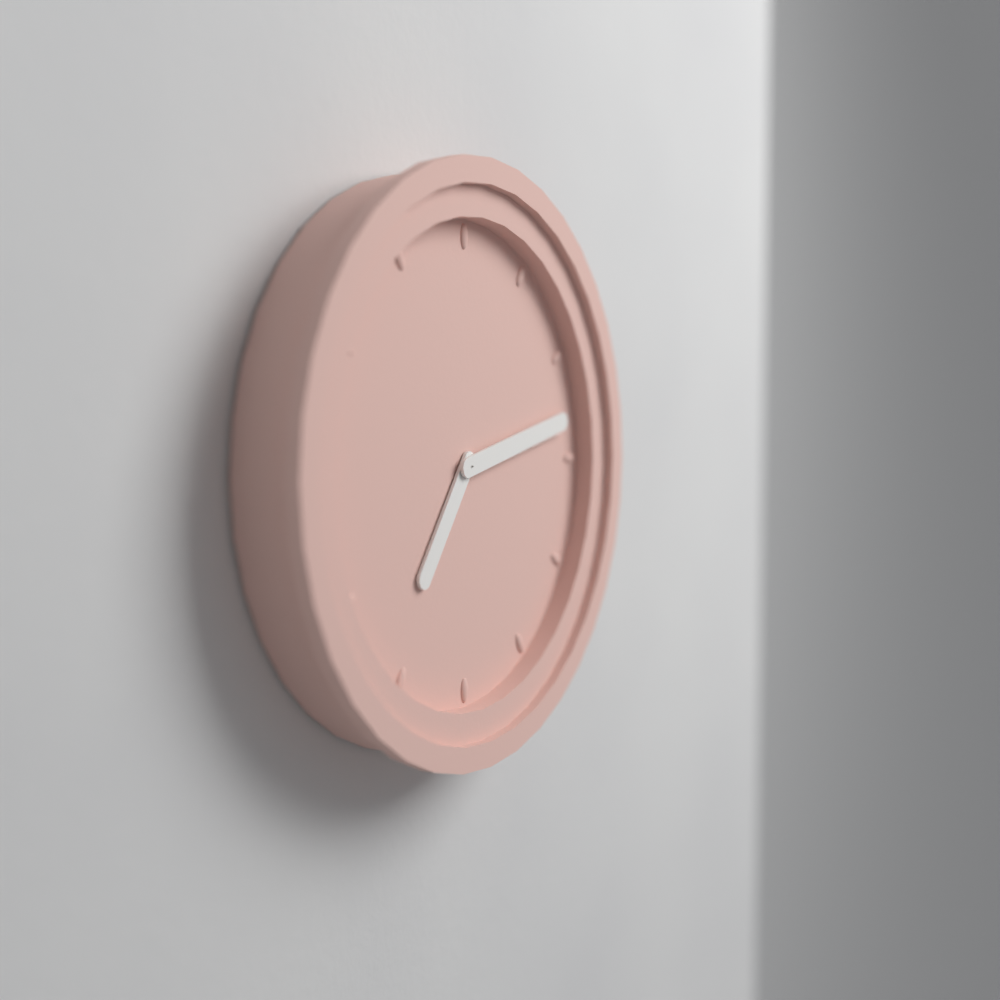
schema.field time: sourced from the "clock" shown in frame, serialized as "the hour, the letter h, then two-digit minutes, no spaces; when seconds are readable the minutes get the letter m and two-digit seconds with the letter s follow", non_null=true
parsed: 7h13
